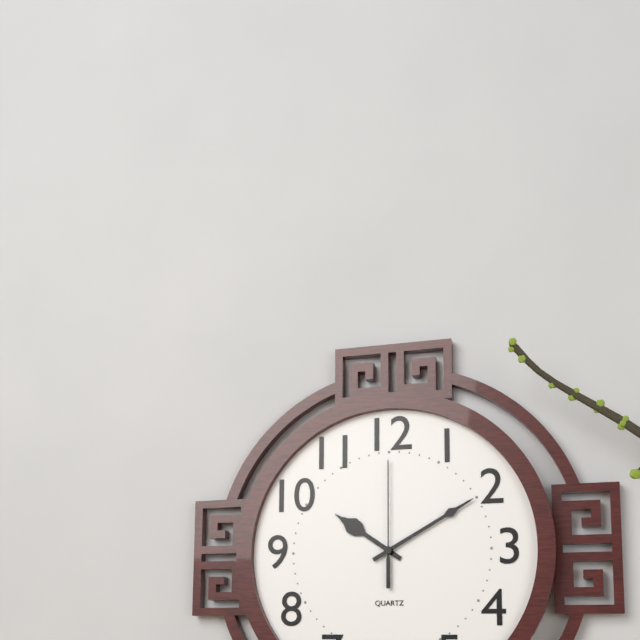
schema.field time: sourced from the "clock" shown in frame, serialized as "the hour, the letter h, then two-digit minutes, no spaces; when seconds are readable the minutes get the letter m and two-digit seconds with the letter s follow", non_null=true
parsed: 10h10m00s
